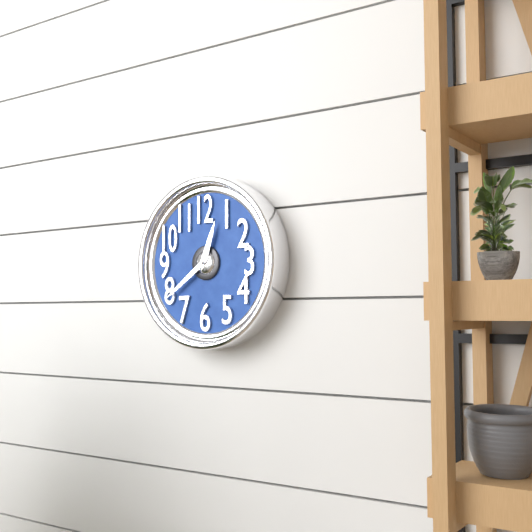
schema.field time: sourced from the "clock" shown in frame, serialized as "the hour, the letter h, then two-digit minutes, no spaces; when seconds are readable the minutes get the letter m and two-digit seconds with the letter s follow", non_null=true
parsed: 12h39
